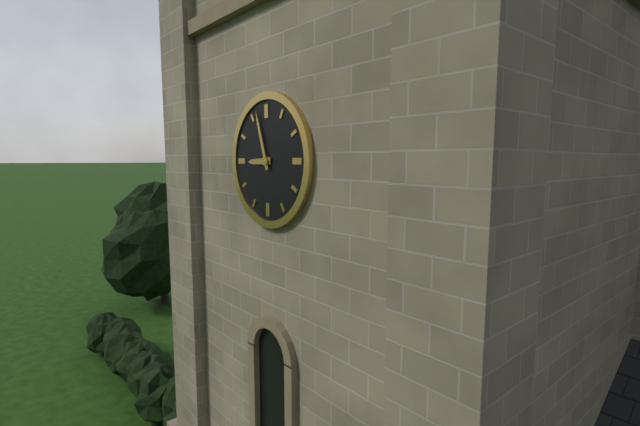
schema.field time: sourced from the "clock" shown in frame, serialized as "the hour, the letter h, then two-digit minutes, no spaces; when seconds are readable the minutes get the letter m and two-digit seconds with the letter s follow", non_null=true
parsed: 8h57
